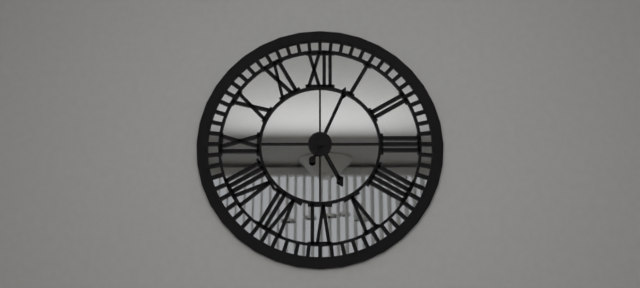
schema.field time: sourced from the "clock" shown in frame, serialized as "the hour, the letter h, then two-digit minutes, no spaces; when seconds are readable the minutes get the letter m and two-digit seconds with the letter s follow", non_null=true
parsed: 5h04
